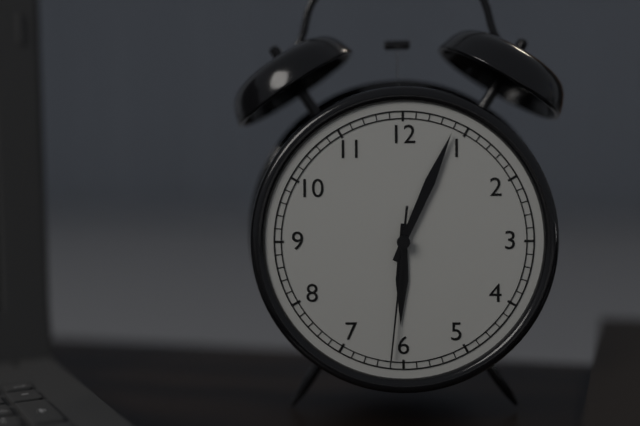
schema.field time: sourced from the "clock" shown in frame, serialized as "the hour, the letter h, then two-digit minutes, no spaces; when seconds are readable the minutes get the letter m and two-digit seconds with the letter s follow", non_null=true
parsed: 6h04m31s
